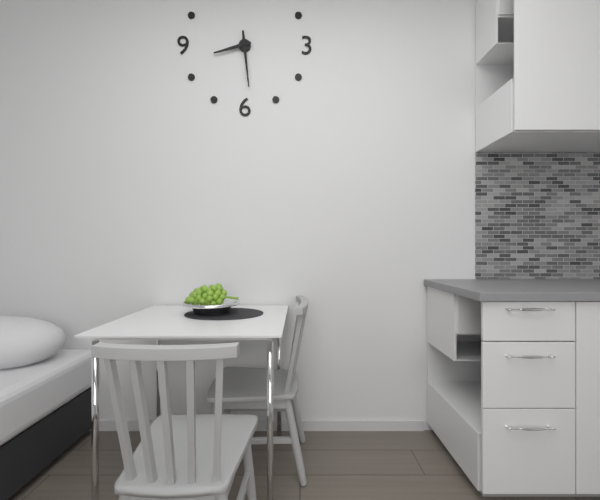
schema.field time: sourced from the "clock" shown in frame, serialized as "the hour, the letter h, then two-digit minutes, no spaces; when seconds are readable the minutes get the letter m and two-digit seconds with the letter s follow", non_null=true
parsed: 8h29
